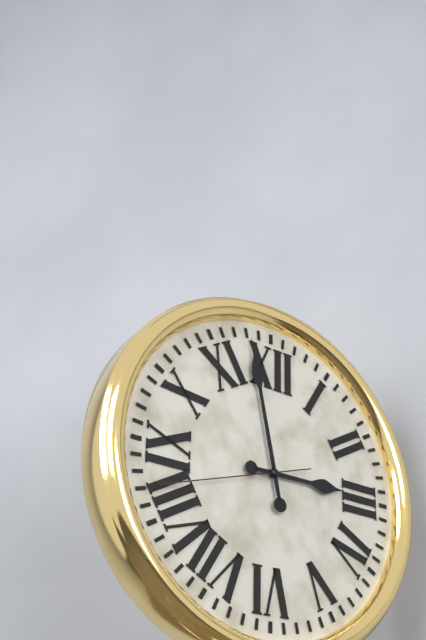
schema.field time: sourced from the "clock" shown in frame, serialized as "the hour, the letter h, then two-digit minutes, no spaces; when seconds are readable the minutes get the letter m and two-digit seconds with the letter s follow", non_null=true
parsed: 2h58m42s
